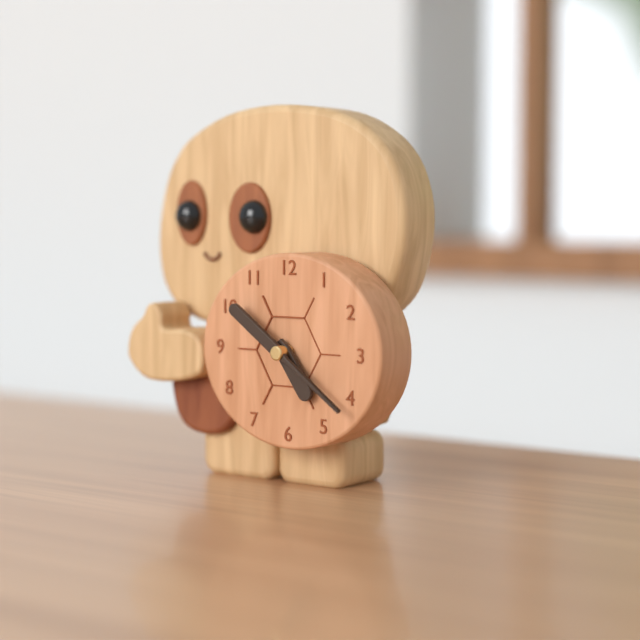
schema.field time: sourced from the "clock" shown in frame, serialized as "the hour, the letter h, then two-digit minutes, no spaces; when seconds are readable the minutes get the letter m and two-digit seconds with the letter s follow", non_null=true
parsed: 4h51
